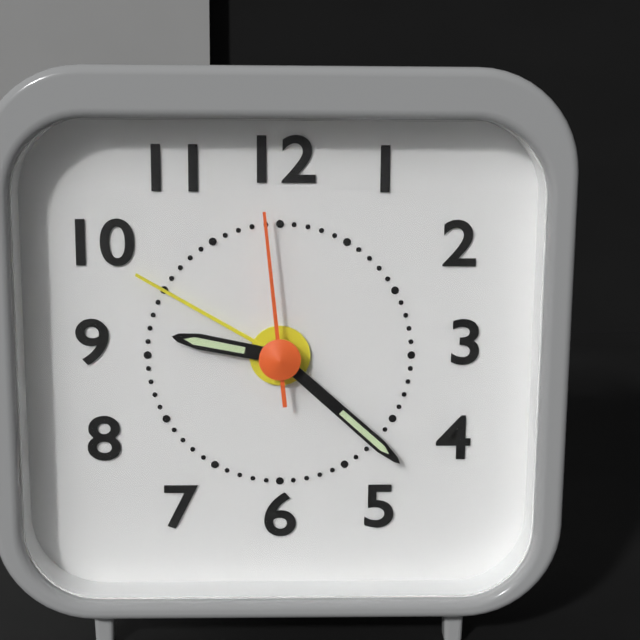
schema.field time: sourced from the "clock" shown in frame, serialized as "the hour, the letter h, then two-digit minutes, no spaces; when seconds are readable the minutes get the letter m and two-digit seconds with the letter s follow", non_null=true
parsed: 9h22m59s
